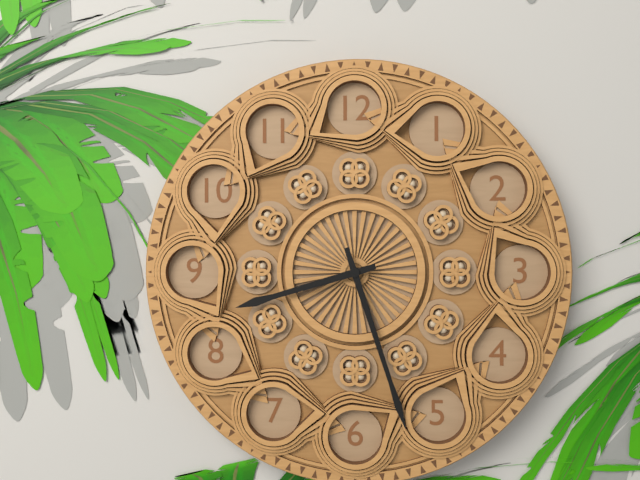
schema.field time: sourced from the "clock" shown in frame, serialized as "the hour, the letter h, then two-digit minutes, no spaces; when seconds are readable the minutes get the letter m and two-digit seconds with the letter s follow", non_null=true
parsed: 8h27
